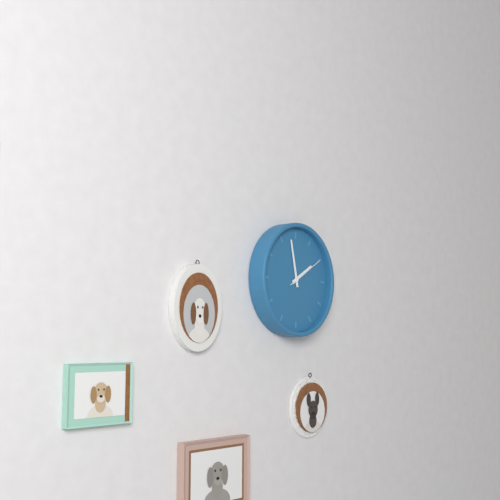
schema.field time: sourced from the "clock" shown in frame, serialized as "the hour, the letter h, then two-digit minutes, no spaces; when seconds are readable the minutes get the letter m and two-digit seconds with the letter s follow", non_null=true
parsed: 1h58
